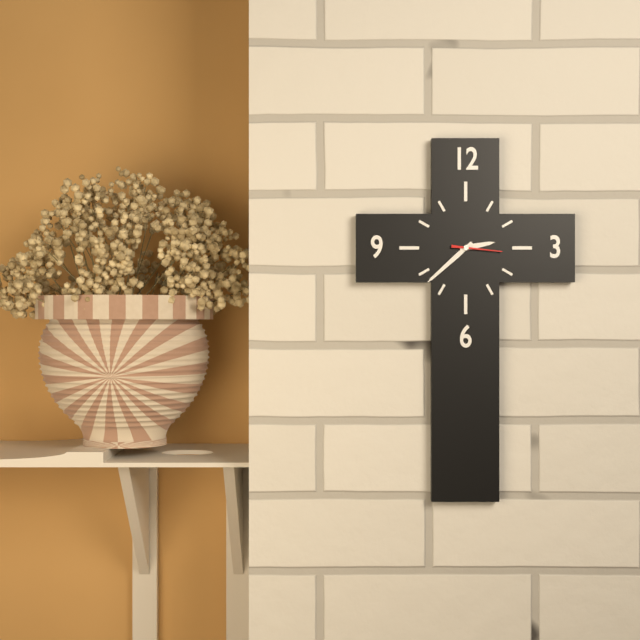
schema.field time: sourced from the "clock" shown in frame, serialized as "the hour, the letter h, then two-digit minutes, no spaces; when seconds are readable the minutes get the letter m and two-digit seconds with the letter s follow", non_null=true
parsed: 2h38
